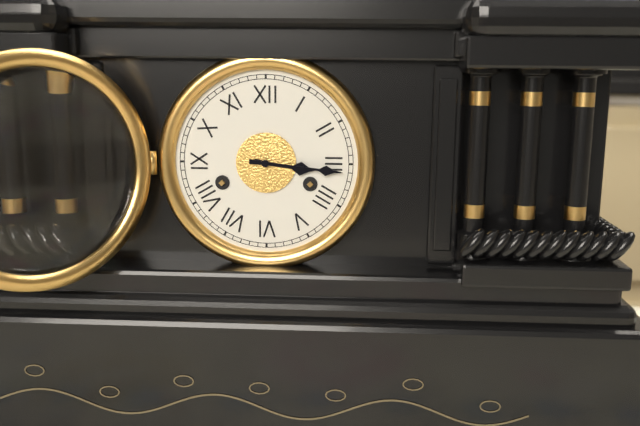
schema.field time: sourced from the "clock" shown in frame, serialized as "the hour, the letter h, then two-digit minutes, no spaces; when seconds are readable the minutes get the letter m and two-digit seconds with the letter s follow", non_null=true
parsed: 3h16
